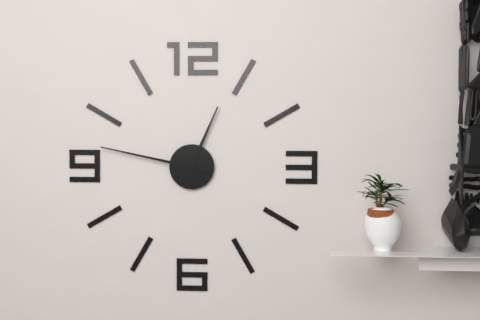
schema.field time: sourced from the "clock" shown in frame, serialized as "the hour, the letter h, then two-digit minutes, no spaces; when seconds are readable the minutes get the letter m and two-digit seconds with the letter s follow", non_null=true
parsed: 12h47
